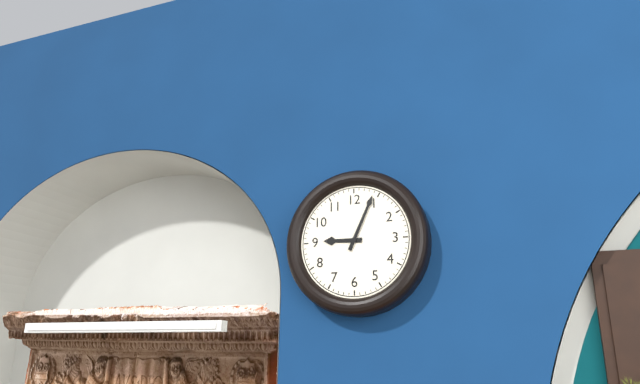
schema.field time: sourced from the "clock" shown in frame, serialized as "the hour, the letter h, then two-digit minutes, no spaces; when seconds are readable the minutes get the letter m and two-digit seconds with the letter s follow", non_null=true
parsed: 9h04
